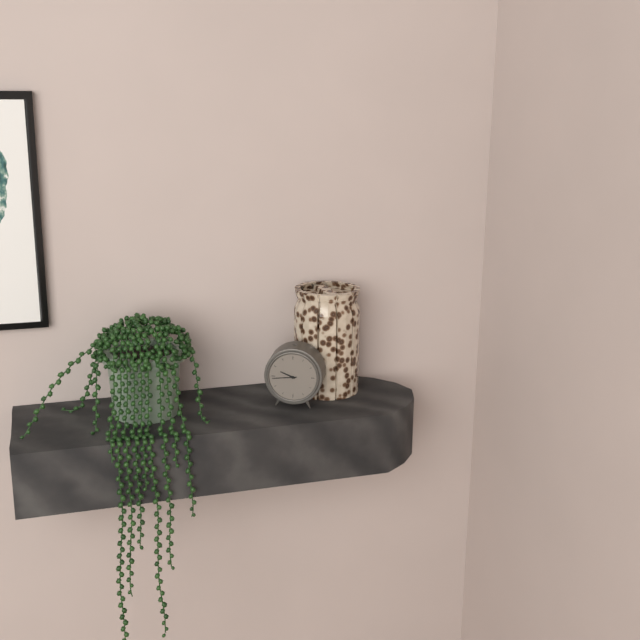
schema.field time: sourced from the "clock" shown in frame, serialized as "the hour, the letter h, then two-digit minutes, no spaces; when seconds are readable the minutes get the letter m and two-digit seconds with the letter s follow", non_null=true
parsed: 9h44
